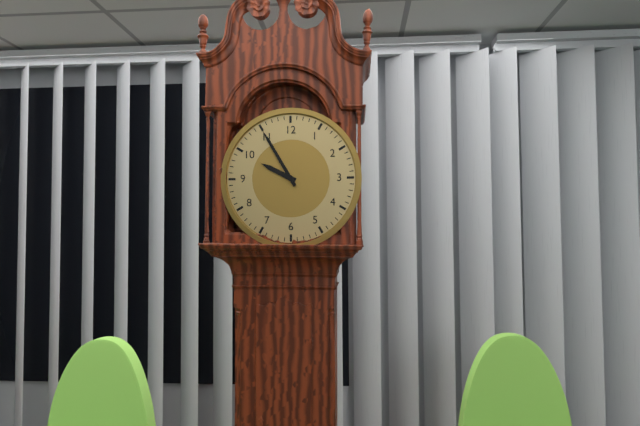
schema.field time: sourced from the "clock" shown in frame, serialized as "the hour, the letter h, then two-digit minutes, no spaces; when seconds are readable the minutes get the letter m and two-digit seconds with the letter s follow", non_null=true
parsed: 9h55
